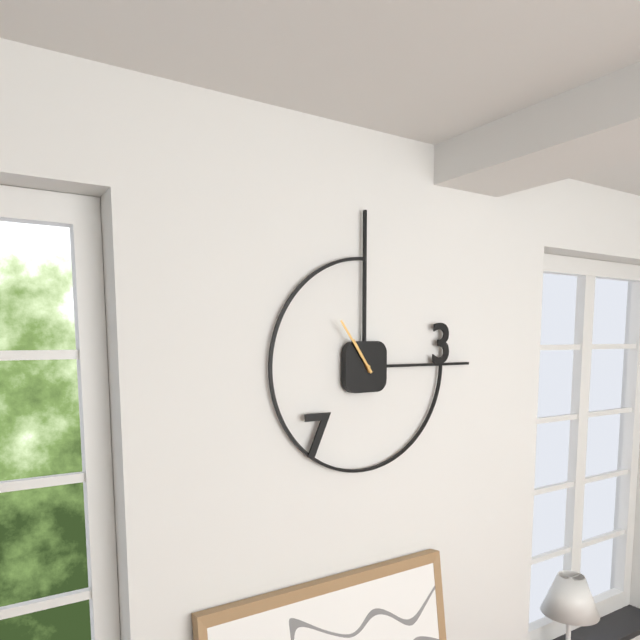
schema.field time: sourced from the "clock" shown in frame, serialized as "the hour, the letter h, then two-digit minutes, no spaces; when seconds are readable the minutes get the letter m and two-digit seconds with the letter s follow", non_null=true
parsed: 10h54
